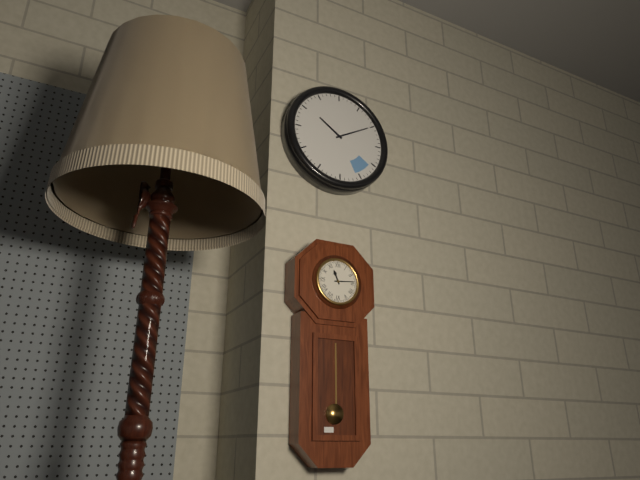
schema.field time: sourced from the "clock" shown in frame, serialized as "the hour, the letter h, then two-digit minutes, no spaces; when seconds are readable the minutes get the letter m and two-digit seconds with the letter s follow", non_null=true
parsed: 11h14
